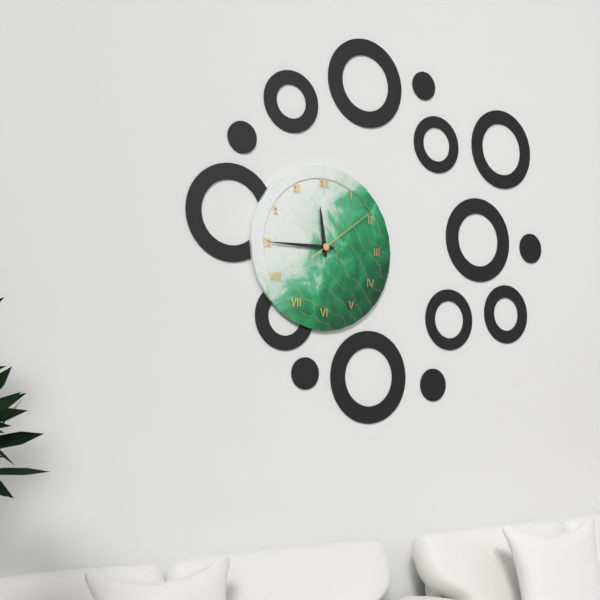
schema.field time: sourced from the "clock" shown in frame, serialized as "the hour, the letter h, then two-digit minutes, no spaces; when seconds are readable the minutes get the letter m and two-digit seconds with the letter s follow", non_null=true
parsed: 11h45m09s
